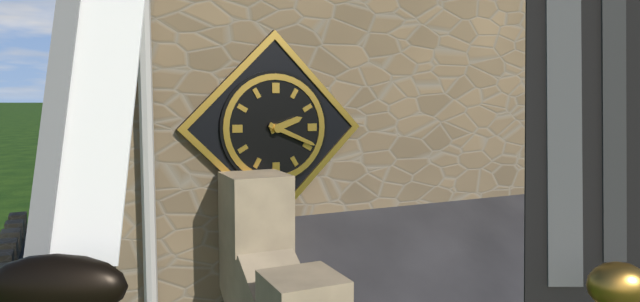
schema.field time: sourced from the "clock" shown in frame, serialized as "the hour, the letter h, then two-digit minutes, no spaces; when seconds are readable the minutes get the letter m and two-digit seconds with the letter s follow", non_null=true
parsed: 2h19
